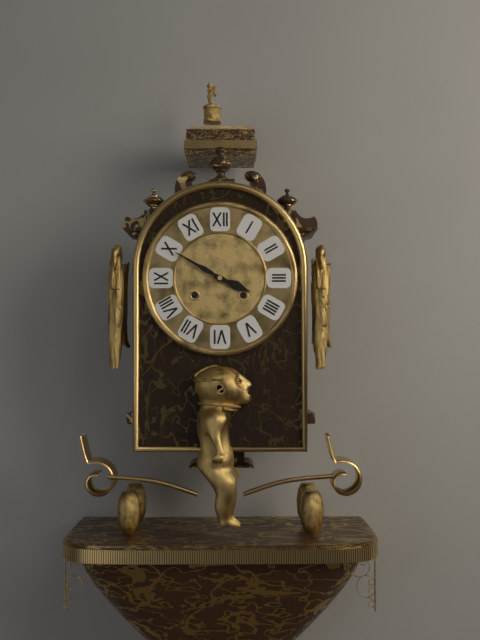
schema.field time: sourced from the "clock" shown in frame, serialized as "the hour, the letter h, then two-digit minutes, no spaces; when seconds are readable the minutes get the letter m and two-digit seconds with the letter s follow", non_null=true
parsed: 3h50
